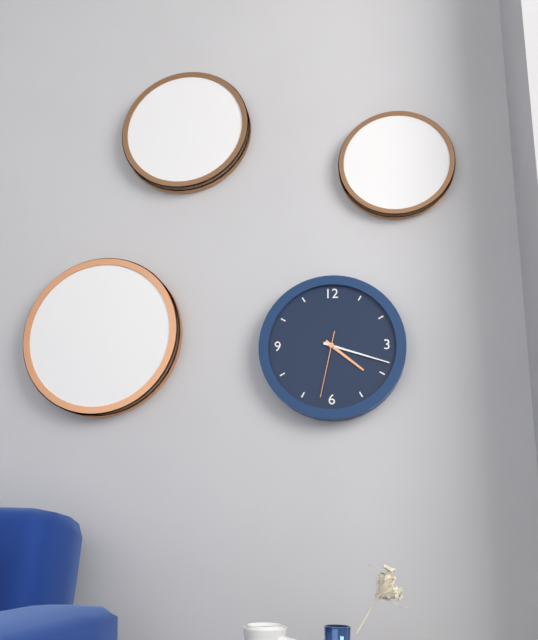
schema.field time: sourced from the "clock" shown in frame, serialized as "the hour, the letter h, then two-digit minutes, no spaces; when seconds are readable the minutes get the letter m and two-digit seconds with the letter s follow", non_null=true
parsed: 4h18m32s
